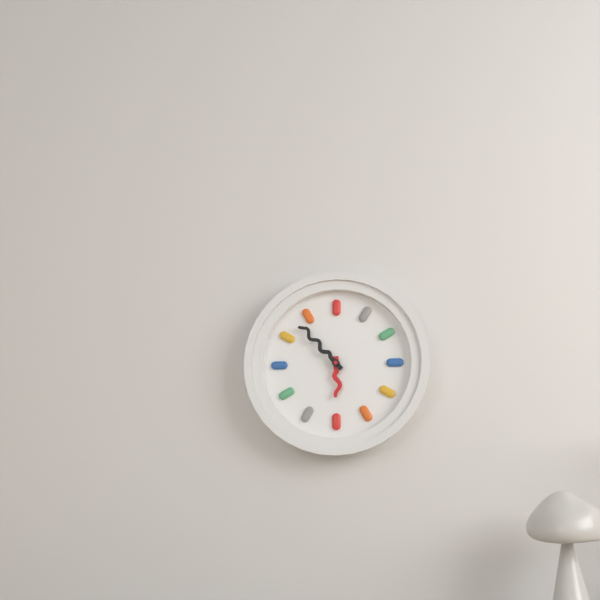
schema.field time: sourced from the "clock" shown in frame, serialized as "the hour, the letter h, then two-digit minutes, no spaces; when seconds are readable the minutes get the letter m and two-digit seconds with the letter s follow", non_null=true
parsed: 5h53
